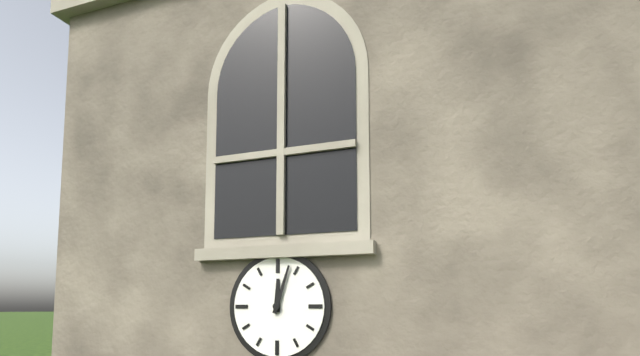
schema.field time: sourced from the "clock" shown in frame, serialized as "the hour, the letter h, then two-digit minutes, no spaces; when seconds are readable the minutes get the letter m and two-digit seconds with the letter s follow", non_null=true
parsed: 12h03
